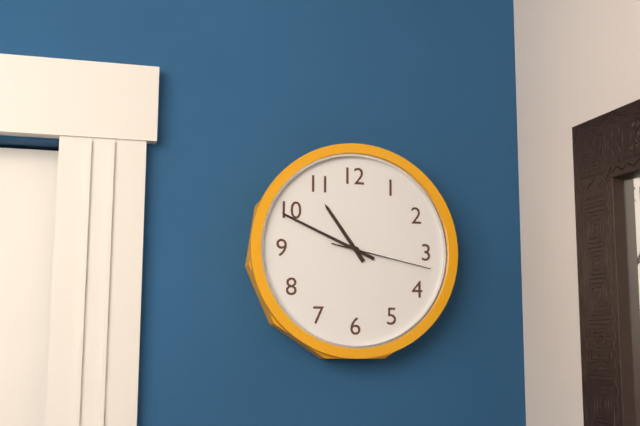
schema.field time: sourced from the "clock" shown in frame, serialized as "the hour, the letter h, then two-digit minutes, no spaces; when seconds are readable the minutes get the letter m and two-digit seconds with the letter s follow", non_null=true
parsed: 10h49m17s
